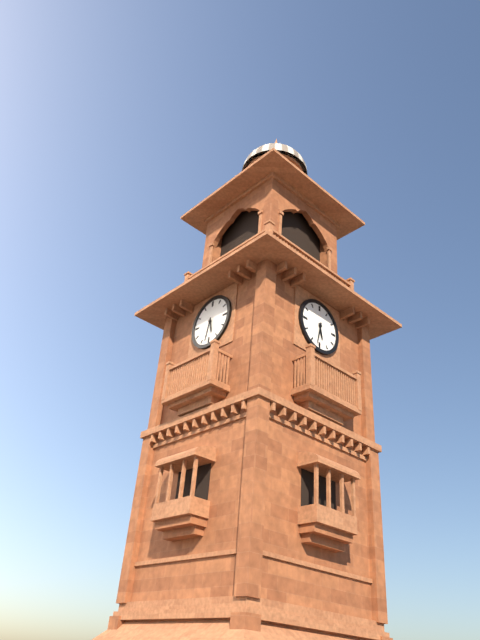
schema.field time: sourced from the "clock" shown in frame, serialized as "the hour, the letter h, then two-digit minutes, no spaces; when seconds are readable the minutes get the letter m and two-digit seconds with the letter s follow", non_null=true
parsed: 5h32
